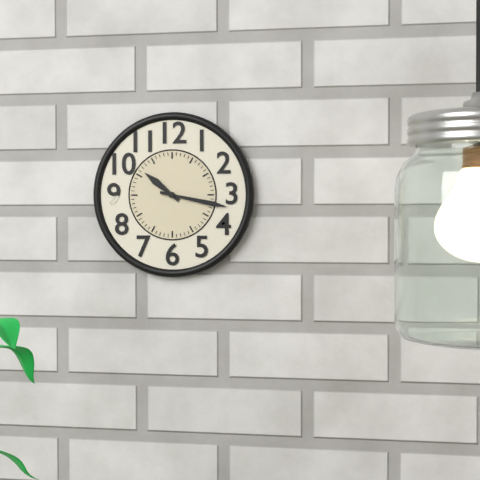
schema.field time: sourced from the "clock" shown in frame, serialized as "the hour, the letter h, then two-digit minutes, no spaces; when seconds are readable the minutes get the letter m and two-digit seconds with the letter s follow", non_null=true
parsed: 10h17
